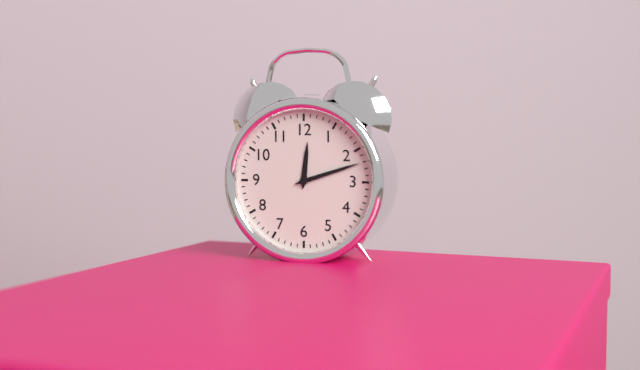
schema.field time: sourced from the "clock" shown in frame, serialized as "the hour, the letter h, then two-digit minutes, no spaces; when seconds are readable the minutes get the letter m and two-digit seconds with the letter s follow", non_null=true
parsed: 12h12
